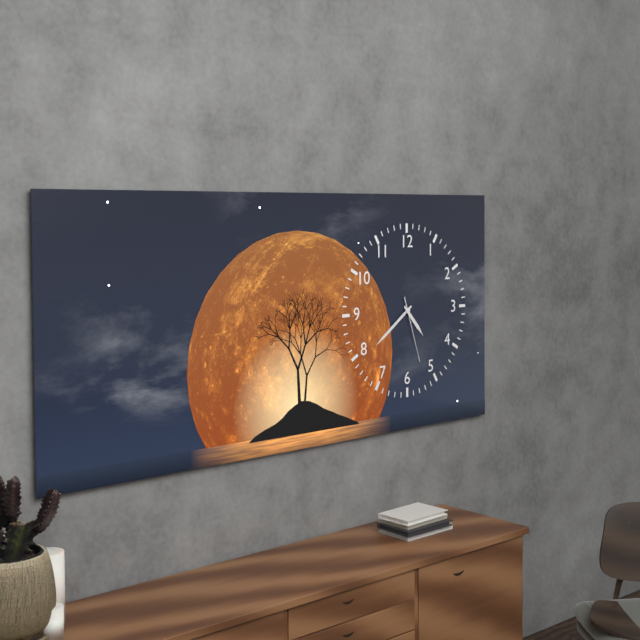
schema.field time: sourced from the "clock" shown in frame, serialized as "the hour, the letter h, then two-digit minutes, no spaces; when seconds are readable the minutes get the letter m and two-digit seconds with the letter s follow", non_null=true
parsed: 4h39m27s
